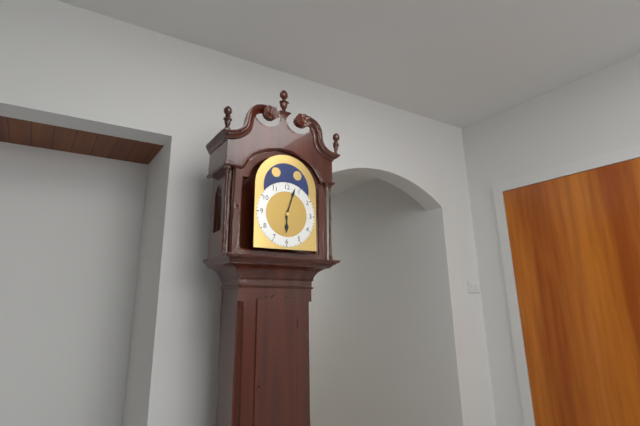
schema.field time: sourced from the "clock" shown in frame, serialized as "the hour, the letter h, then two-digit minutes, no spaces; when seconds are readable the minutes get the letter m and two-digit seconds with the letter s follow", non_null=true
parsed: 6h03
